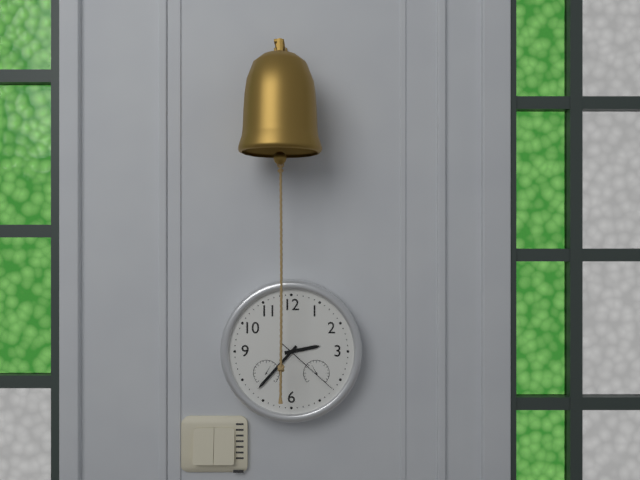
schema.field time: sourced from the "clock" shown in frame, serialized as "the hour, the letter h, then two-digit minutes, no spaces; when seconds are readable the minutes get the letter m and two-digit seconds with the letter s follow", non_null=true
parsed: 2h37m22s
